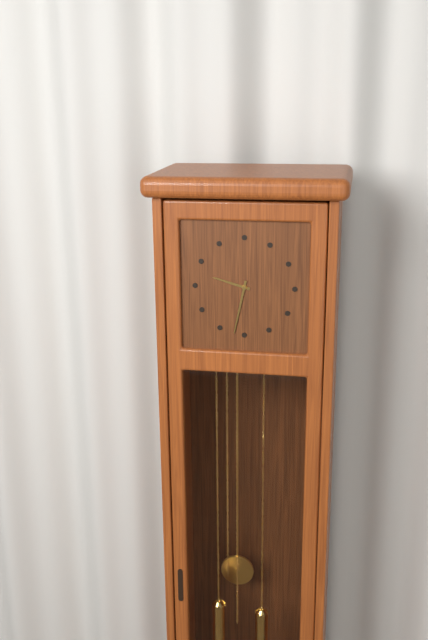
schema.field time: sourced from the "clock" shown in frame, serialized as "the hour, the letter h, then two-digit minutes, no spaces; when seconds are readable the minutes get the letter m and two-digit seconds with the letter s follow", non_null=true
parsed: 9h32
